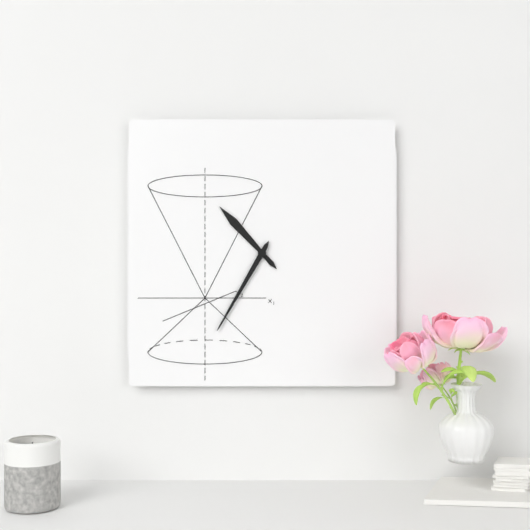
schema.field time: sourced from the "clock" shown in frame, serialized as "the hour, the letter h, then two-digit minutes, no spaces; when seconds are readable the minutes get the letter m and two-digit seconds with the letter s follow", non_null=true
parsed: 10h35
